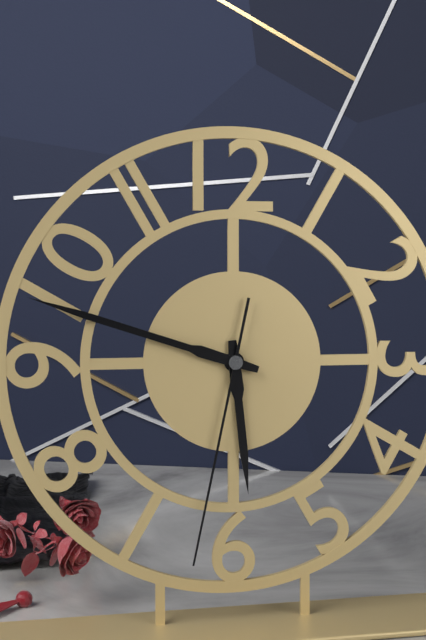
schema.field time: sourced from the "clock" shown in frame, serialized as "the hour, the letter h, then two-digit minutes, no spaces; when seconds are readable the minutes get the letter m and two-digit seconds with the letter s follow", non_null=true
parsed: 5h48m32s
